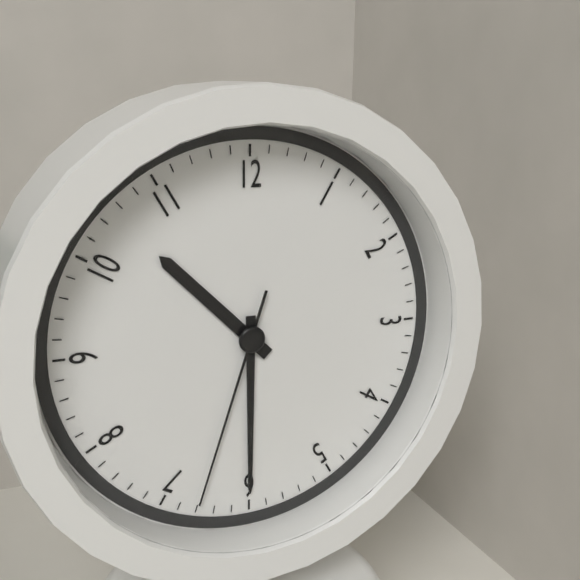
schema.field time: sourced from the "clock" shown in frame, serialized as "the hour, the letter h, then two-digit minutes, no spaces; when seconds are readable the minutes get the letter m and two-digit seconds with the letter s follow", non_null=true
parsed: 10h30m33s
